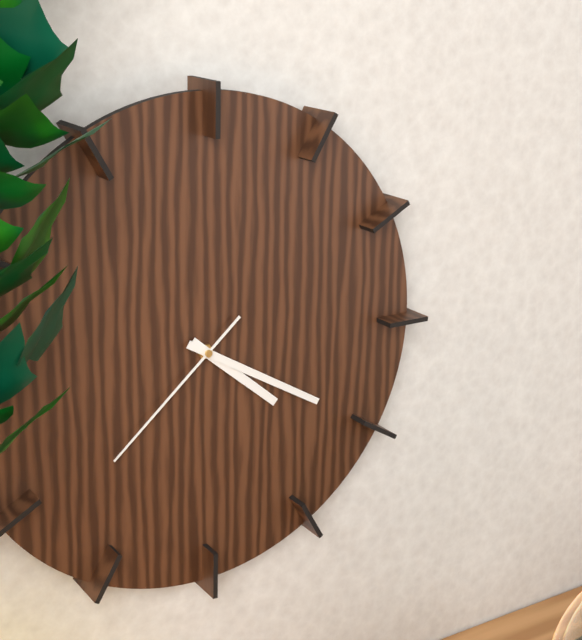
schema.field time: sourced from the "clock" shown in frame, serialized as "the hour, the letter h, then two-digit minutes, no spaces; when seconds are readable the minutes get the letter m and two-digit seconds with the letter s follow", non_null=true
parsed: 4h20m38s
